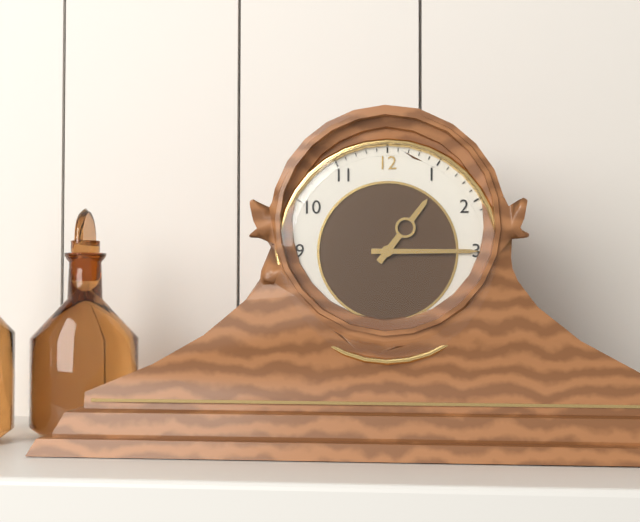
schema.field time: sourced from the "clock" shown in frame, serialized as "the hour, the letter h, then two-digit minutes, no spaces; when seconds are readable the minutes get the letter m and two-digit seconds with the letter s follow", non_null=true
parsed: 1h15
